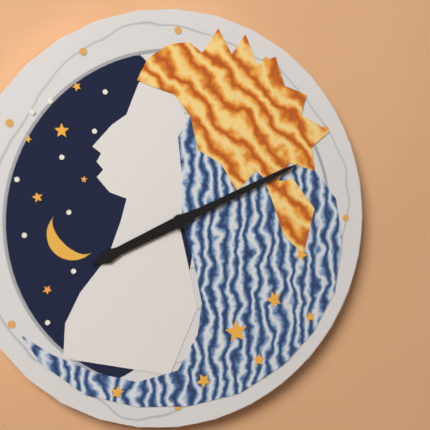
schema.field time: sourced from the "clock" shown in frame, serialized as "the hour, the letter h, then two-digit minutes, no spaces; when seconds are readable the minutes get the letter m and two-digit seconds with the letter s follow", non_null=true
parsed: 8h11
